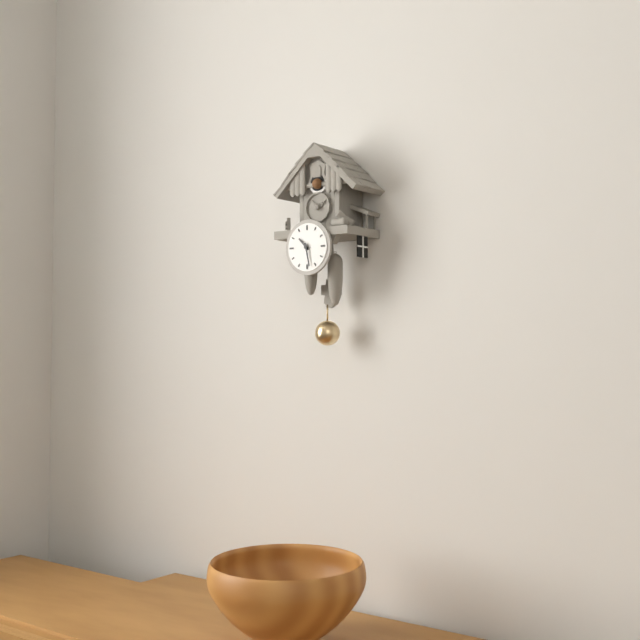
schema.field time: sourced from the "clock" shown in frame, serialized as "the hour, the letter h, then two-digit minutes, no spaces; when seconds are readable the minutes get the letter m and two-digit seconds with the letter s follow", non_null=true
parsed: 10h28
